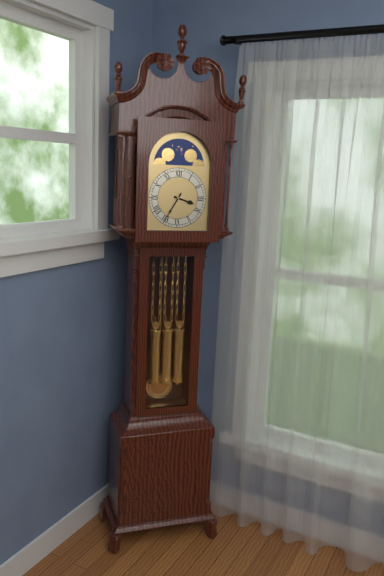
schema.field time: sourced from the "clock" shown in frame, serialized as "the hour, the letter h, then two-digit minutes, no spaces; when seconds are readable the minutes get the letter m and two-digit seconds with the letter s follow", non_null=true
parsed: 3h35
